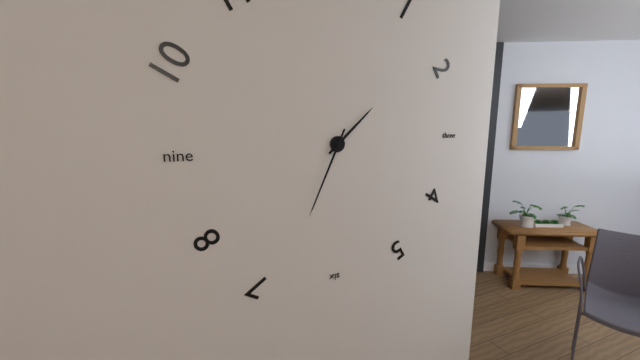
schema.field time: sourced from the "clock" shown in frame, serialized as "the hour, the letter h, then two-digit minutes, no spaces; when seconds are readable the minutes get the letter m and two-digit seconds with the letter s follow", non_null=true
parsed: 1h34
